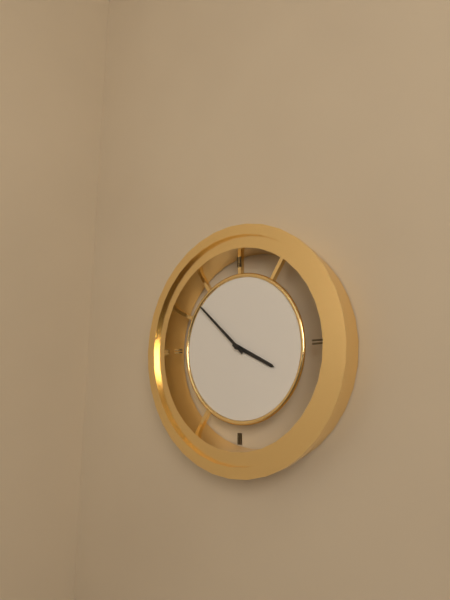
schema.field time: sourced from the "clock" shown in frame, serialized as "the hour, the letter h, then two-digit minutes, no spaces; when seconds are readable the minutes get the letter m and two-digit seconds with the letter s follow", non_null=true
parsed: 3h52
